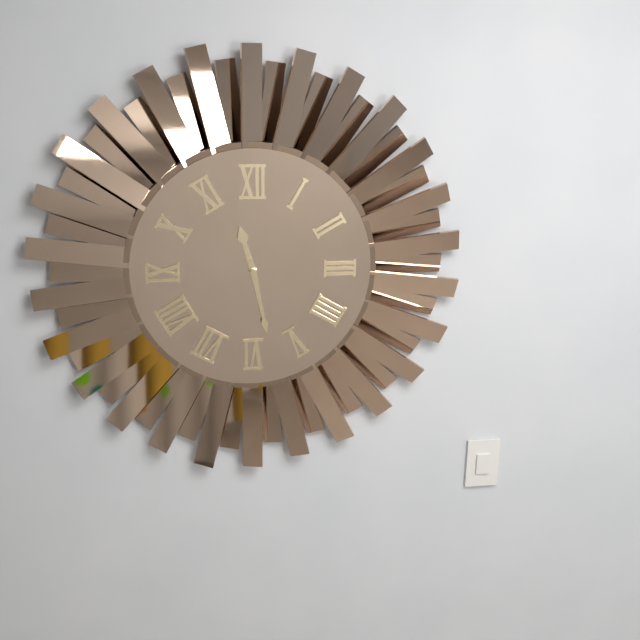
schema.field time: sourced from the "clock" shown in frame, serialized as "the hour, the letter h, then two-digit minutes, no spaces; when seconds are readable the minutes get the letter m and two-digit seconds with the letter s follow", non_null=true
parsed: 11h28
